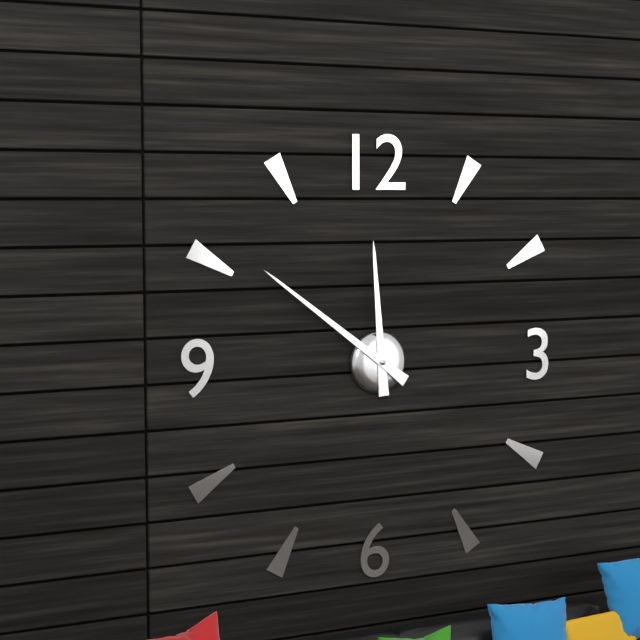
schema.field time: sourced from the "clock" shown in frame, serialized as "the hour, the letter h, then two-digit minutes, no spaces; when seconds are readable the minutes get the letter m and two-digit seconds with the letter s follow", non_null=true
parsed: 11h51
